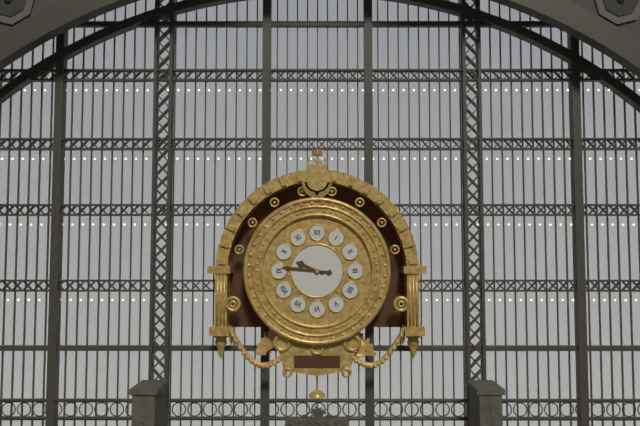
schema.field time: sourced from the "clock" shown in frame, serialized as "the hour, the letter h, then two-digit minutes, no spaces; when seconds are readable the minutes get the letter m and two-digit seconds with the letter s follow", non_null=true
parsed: 9h46
